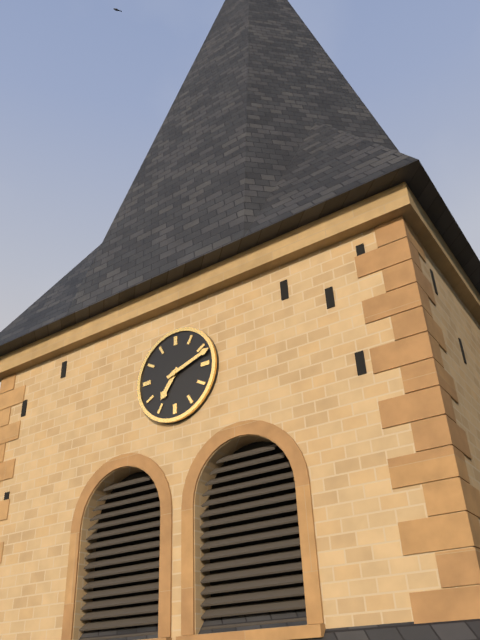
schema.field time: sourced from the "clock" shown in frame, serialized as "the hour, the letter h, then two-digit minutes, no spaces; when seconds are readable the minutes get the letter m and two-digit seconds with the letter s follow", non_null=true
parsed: 7h12
